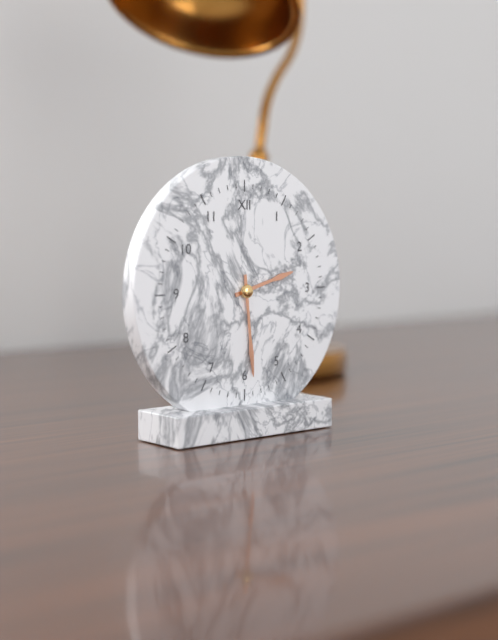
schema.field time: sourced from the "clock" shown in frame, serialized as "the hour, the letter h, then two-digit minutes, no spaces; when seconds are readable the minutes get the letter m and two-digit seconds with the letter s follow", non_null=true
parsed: 2h29
